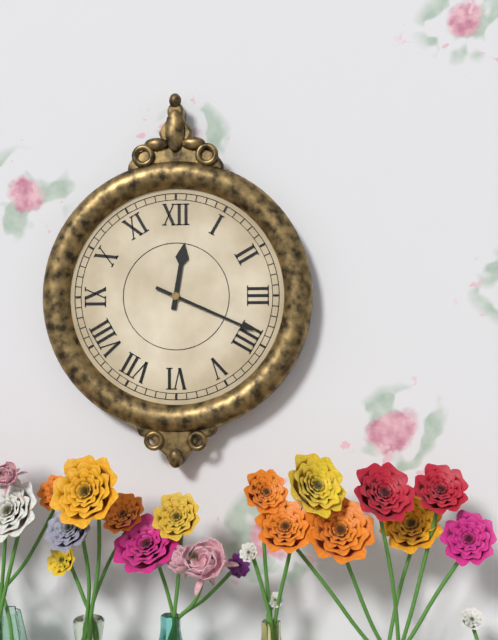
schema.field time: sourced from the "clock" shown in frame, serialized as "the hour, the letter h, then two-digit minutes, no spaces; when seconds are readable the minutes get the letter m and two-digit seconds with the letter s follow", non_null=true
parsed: 12h19
